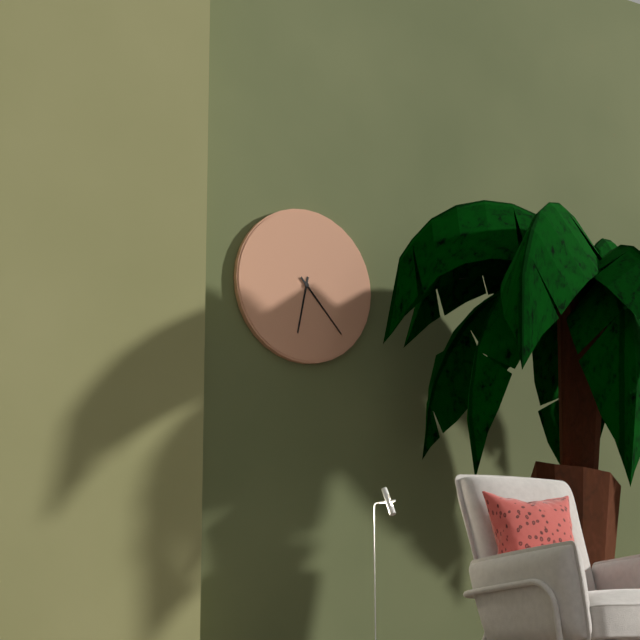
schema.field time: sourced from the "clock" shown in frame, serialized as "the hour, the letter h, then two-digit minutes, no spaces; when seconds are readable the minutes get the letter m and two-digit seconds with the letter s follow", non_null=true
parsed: 6h23
